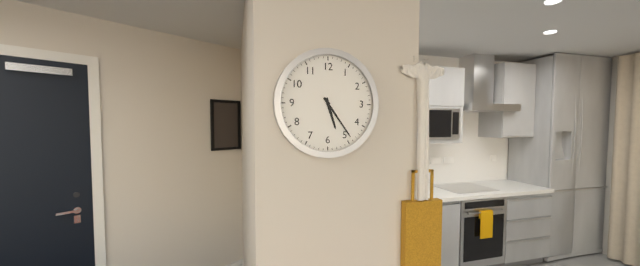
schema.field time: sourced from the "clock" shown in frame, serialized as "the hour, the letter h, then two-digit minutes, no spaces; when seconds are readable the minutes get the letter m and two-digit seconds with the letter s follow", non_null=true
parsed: 5h24
